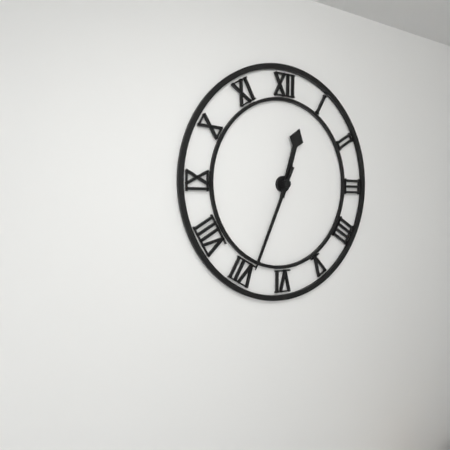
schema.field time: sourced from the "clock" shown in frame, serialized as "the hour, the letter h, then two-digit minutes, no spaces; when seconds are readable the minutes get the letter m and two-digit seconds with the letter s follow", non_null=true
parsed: 12h34
